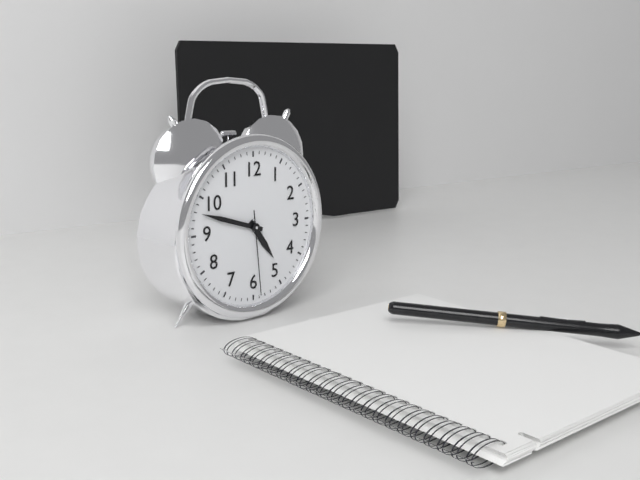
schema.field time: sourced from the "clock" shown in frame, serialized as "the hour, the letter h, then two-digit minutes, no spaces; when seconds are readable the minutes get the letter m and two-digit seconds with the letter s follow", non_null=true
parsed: 4h48m29s
